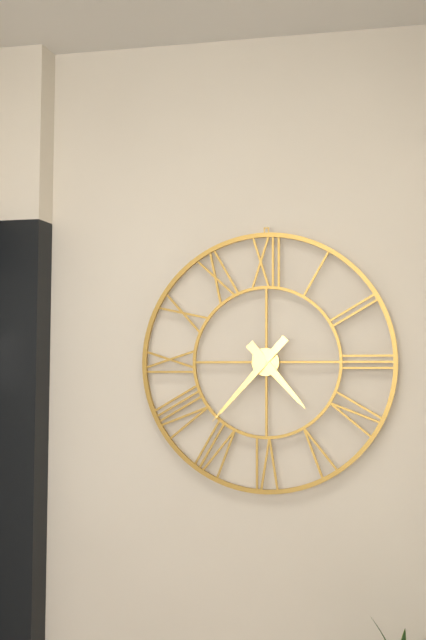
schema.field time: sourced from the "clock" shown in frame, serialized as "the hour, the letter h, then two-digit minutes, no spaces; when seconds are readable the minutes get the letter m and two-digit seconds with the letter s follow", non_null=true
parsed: 4h37
